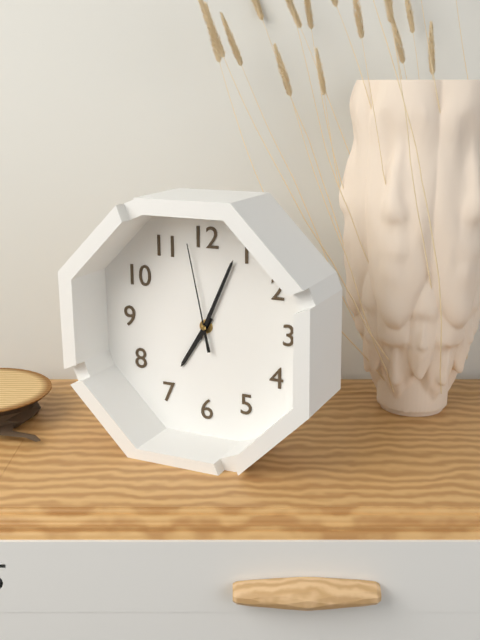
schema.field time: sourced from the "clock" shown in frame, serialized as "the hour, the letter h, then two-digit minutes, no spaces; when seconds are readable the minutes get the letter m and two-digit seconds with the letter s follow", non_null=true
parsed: 7h04m58s
